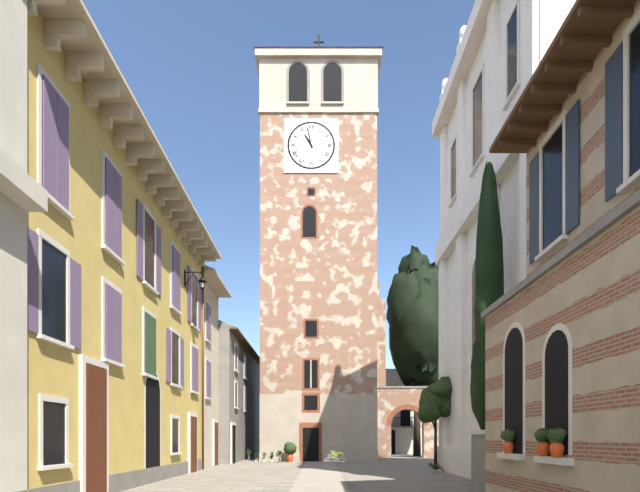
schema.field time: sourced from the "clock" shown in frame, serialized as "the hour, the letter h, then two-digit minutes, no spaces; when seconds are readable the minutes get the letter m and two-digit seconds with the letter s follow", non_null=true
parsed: 10h58
